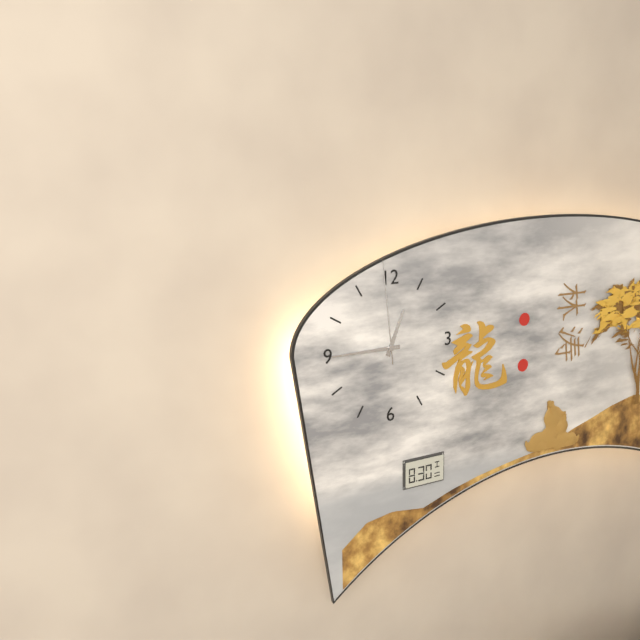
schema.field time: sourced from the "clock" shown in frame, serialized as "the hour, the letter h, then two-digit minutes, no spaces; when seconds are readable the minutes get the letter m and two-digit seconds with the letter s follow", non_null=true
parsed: 12h45m59s
